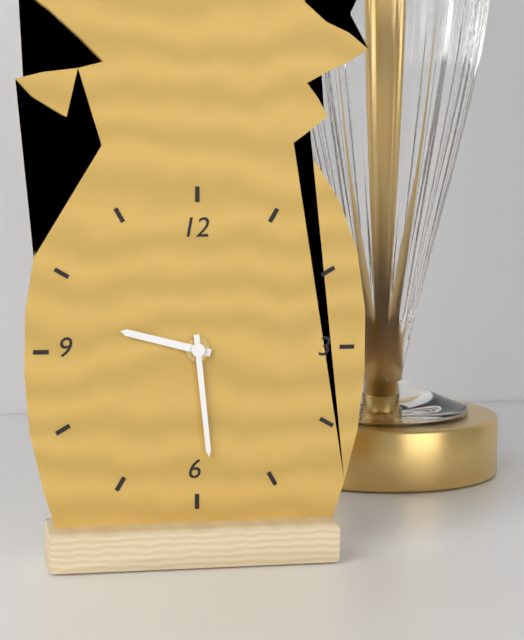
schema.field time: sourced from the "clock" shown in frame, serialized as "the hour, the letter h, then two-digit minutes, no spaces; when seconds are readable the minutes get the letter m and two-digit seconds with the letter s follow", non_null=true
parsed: 9h29
